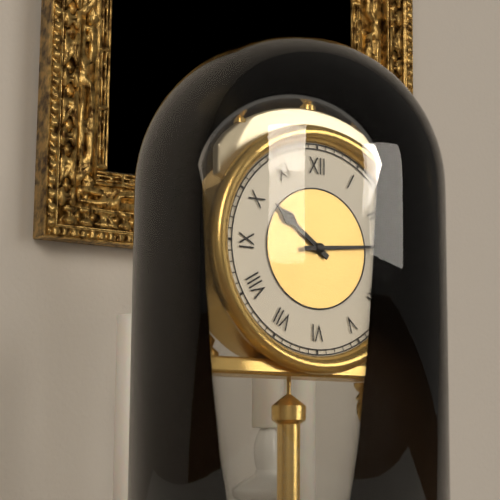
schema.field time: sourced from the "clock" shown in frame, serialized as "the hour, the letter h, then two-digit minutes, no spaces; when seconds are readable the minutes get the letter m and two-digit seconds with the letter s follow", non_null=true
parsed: 10h14
